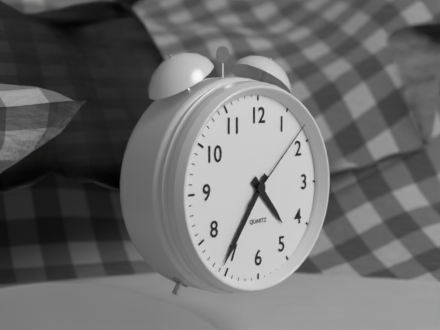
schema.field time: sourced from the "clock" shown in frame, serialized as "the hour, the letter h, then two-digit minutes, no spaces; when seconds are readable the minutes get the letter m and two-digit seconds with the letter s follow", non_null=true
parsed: 4h36m08s
